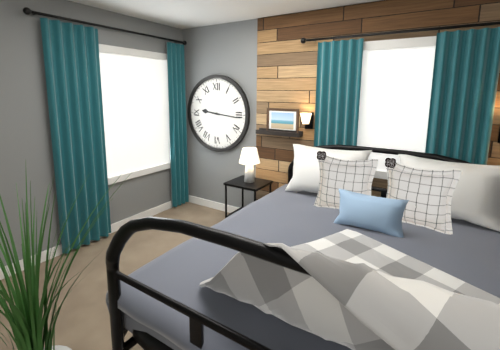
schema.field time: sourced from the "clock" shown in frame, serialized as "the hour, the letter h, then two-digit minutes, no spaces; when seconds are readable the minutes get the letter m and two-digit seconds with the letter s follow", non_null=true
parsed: 9h16
